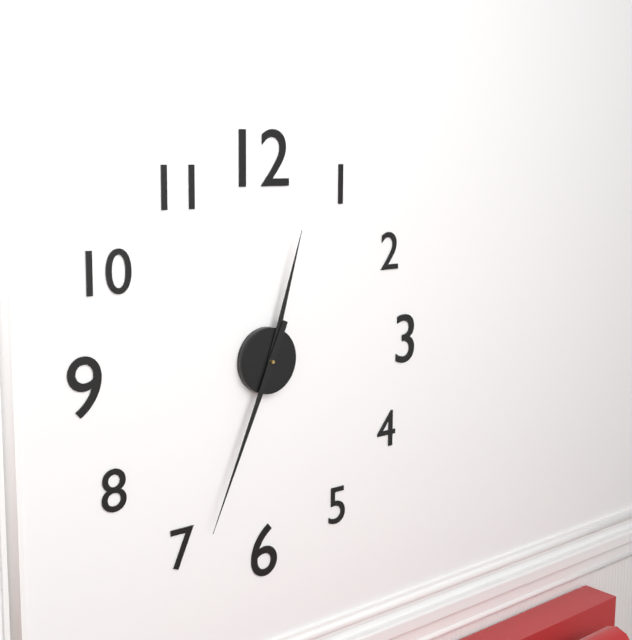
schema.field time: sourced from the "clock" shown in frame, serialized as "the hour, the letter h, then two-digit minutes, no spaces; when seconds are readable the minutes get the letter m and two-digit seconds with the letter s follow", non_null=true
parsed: 12h34
